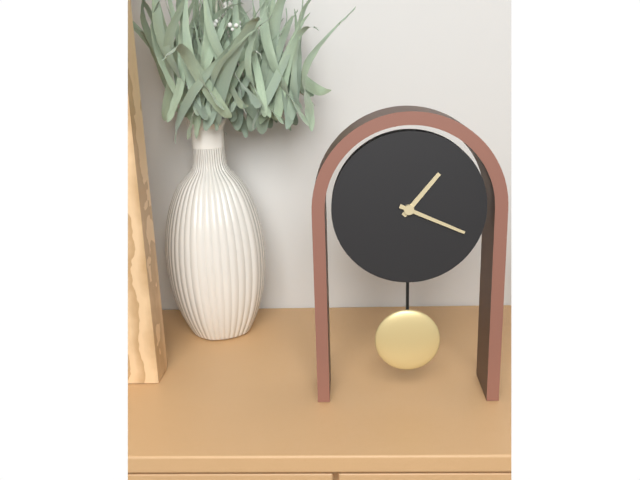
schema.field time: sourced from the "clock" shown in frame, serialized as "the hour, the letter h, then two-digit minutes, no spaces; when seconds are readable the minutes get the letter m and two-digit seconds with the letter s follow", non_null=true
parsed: 1h19
